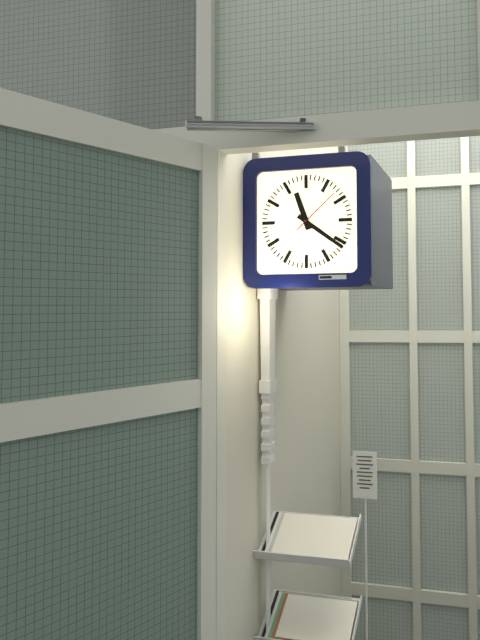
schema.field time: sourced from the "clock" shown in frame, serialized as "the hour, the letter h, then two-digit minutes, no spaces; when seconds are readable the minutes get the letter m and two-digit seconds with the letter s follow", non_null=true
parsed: 11h21
